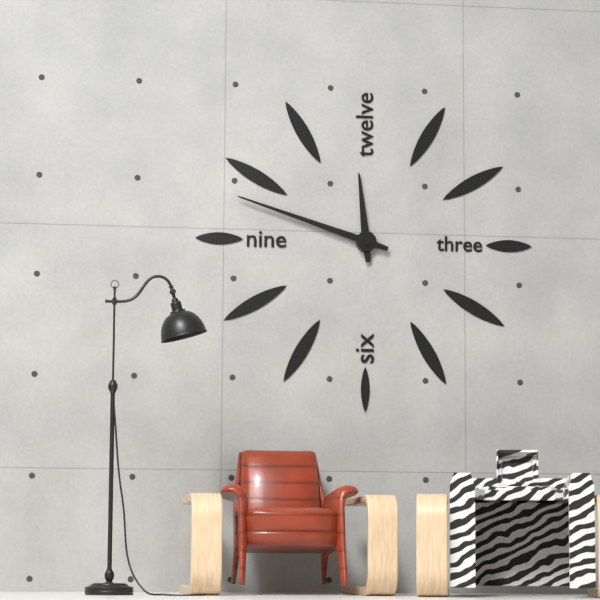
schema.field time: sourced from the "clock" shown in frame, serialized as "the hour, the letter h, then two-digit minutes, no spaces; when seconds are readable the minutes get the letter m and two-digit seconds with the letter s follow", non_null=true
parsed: 11h48
